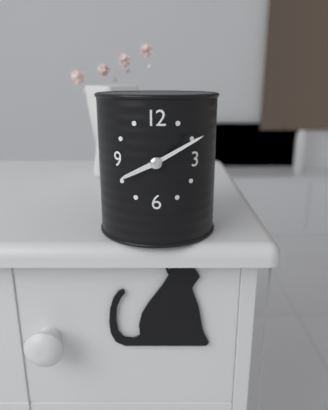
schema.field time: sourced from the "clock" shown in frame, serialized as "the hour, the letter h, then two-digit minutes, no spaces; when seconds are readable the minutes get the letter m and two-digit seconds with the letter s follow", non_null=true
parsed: 8h10
